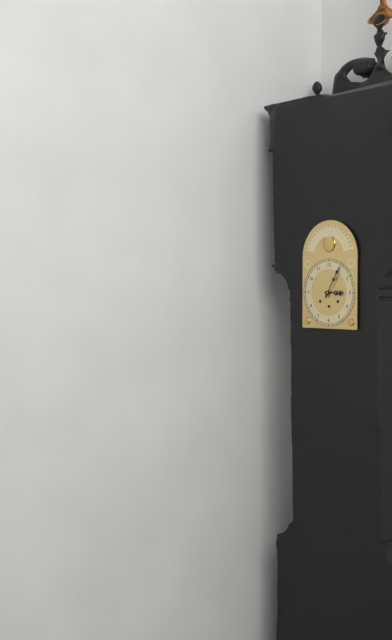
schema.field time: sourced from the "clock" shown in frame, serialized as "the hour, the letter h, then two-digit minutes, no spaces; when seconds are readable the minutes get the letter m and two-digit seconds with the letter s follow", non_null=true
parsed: 3h05
